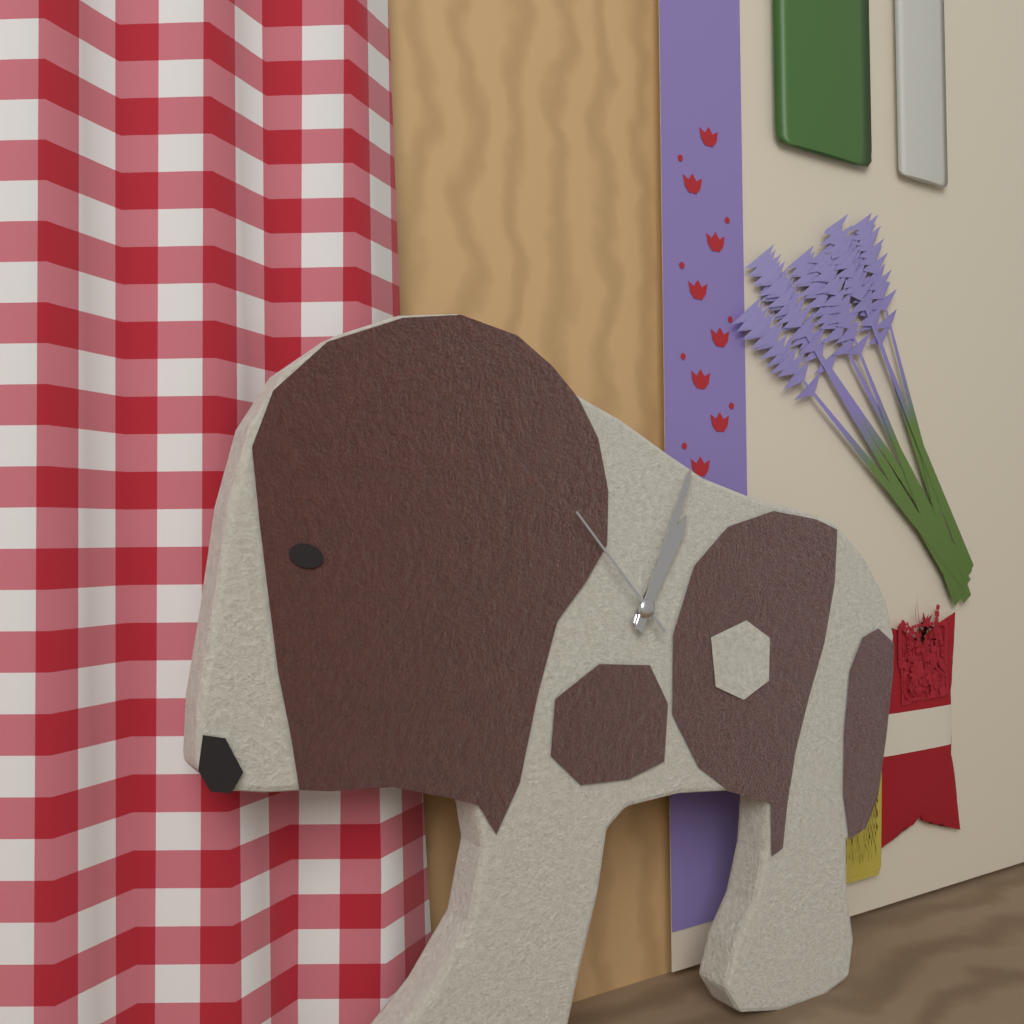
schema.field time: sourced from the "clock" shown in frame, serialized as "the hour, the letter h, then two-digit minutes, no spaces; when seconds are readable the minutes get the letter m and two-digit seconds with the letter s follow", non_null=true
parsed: 1h04m53s
